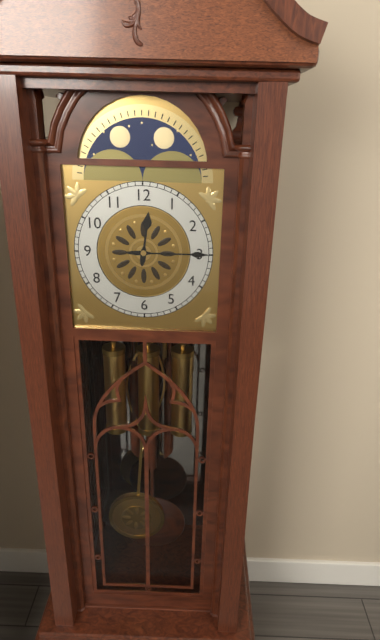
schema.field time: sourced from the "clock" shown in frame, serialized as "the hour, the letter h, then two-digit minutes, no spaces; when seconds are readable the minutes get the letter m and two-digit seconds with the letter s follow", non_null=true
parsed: 12h15
